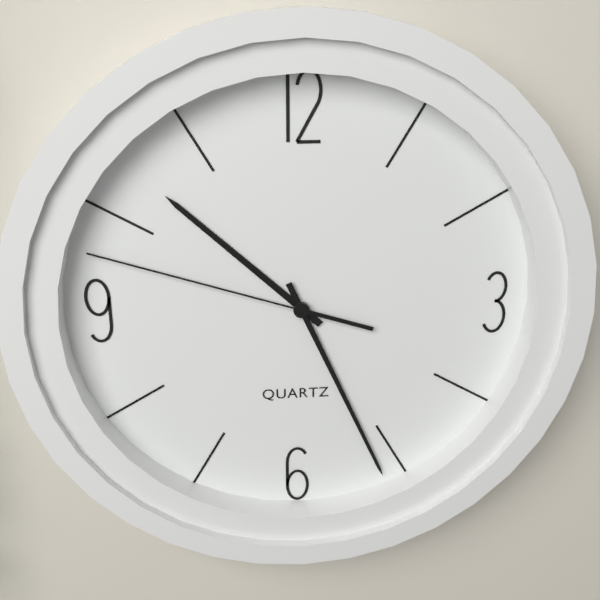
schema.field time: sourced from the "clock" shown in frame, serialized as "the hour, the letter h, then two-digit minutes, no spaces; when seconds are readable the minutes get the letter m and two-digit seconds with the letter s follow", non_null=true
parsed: 10h26m48s
